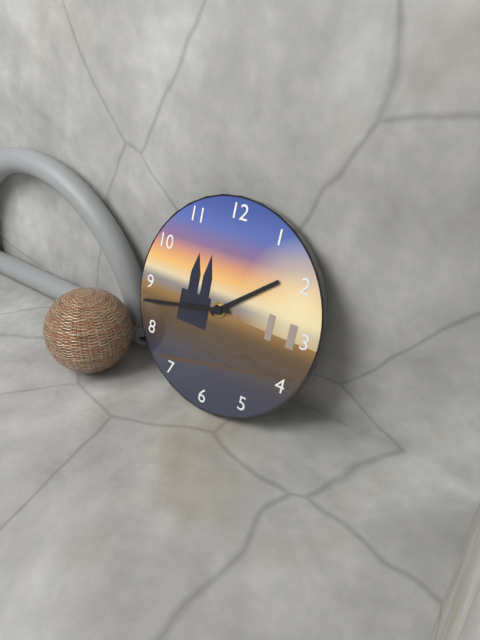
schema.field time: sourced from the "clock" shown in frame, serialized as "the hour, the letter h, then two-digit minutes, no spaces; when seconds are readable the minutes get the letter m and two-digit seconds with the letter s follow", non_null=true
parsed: 1h43
